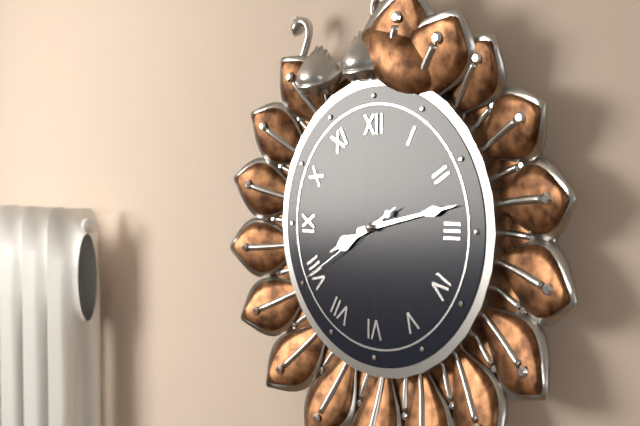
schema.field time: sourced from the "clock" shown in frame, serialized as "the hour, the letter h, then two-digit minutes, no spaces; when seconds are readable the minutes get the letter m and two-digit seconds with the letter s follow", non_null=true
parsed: 8h13m40s
